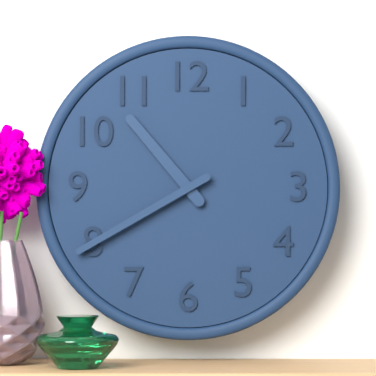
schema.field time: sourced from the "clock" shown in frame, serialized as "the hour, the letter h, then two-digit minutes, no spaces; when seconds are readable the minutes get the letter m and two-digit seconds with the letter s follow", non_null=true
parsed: 10h40
